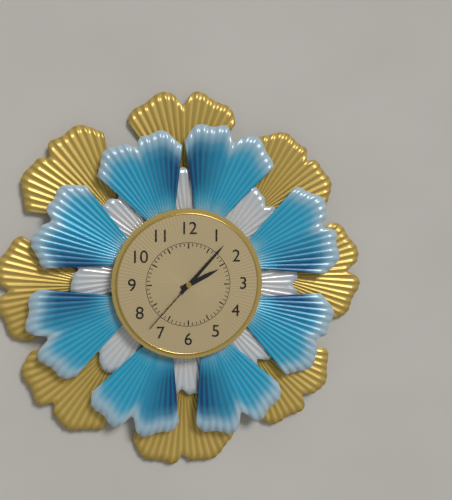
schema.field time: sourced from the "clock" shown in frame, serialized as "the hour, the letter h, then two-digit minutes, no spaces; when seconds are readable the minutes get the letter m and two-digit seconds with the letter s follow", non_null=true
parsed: 2h07m37s
